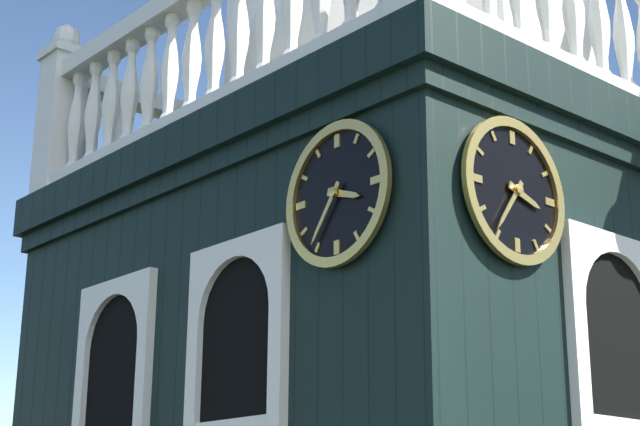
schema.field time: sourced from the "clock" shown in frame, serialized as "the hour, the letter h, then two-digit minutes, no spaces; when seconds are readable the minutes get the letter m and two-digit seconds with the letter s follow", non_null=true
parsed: 3h36
